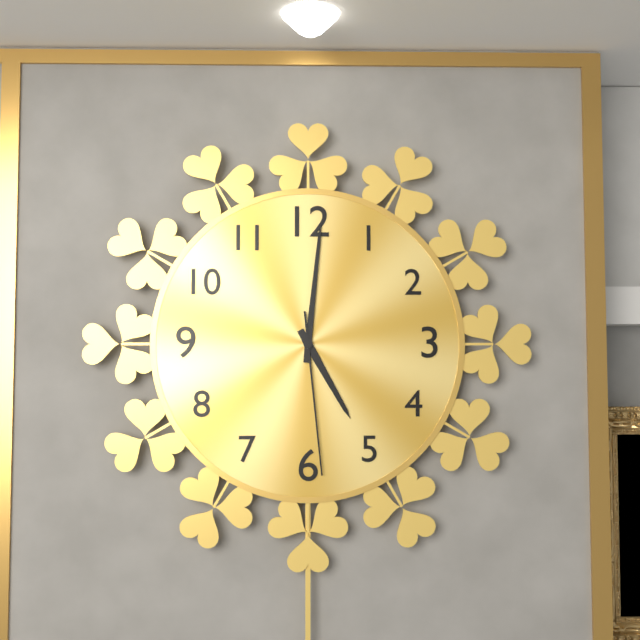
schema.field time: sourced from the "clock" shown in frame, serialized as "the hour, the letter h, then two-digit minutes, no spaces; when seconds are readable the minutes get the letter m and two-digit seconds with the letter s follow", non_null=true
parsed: 5h01m29s
